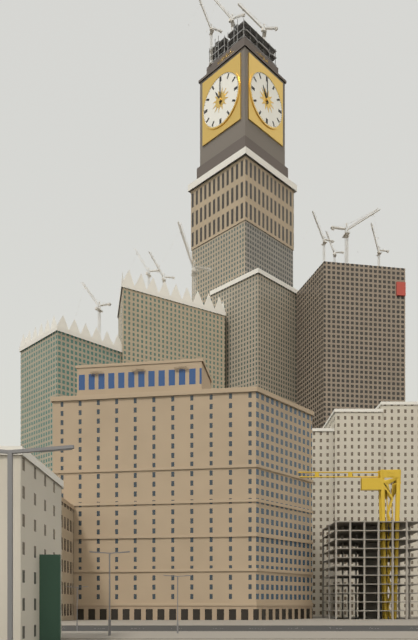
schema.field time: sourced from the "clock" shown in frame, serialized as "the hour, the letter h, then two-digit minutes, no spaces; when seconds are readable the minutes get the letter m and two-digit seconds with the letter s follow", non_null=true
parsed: 11h00
